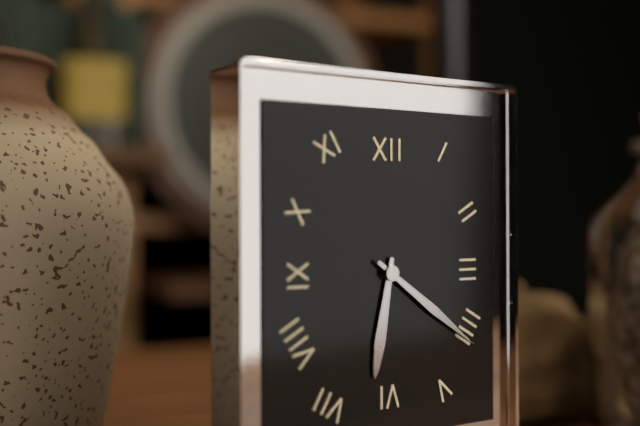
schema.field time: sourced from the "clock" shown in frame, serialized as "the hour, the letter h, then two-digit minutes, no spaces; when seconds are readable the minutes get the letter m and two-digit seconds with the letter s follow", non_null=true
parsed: 6h21
